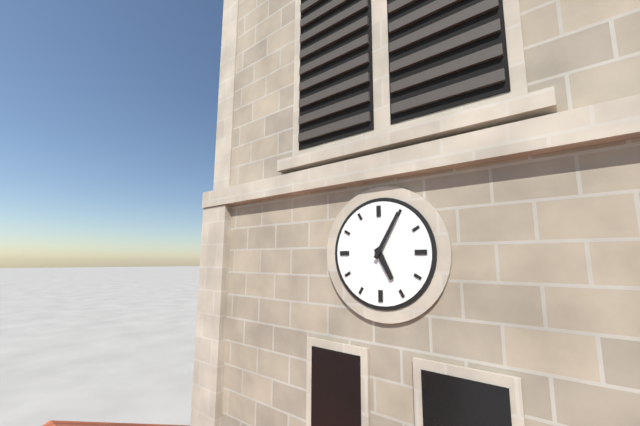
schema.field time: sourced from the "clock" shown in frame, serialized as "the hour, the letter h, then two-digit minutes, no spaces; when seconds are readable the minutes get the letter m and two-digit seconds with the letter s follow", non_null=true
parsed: 5h05
